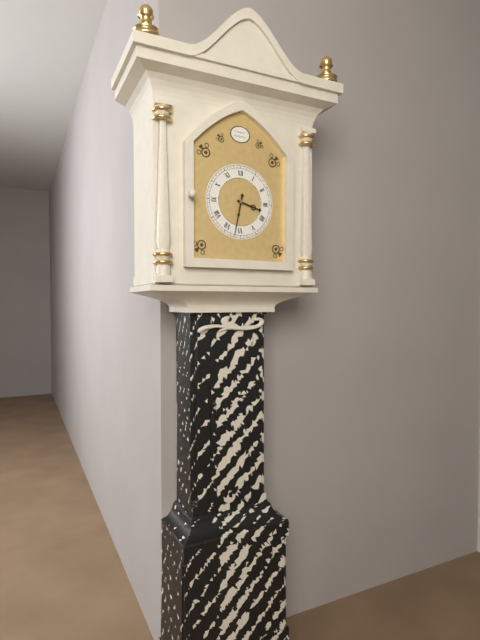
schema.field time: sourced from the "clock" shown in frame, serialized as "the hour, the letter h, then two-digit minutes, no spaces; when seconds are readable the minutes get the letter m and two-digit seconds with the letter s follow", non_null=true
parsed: 3h32
